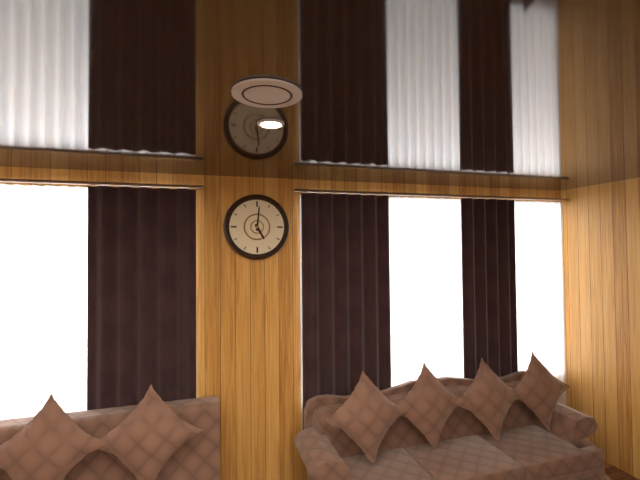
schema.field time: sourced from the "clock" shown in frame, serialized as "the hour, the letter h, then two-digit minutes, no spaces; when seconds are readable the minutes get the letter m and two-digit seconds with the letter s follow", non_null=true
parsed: 5h01
